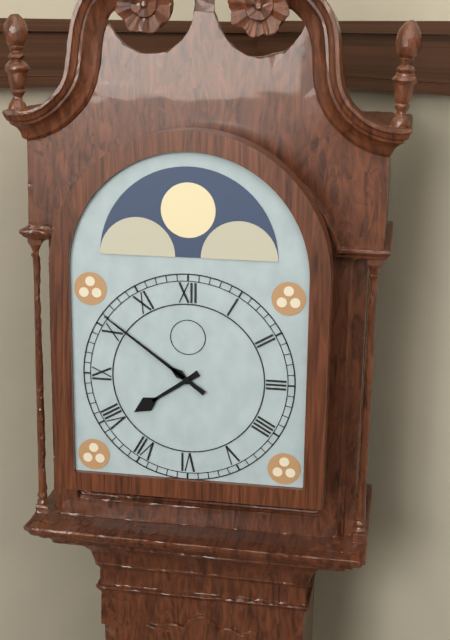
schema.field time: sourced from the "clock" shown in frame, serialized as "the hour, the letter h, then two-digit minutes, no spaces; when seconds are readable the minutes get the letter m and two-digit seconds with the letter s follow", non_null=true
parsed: 7h51
